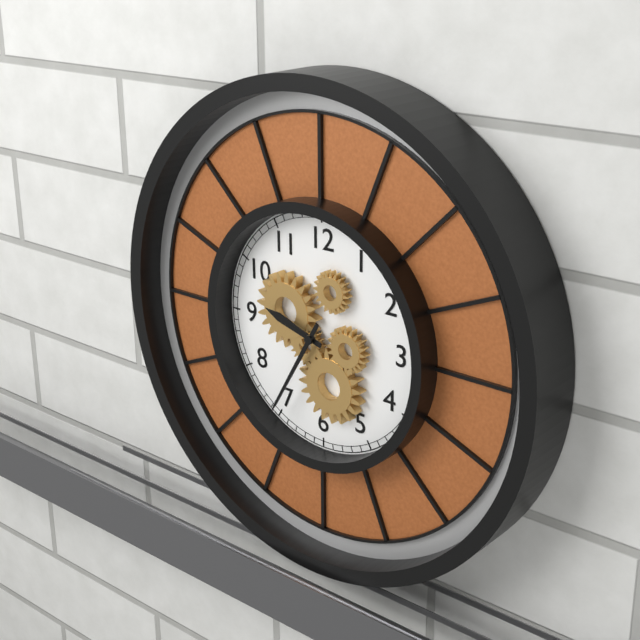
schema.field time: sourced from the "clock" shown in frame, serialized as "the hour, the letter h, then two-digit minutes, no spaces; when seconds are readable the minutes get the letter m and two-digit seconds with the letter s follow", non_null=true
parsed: 9h35
